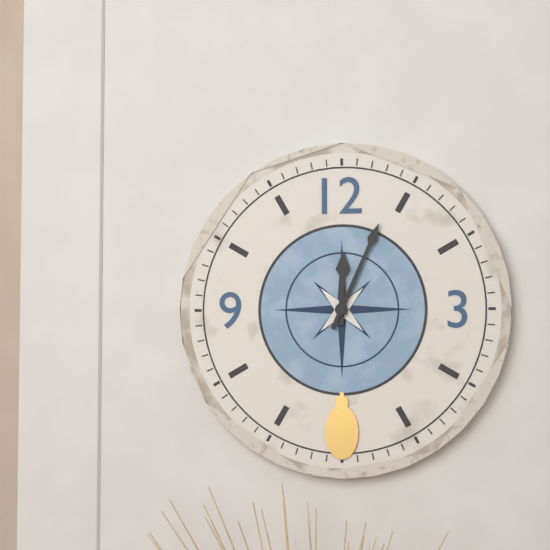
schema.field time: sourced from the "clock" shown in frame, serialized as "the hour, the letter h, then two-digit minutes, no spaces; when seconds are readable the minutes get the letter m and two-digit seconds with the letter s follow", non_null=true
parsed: 12h04
